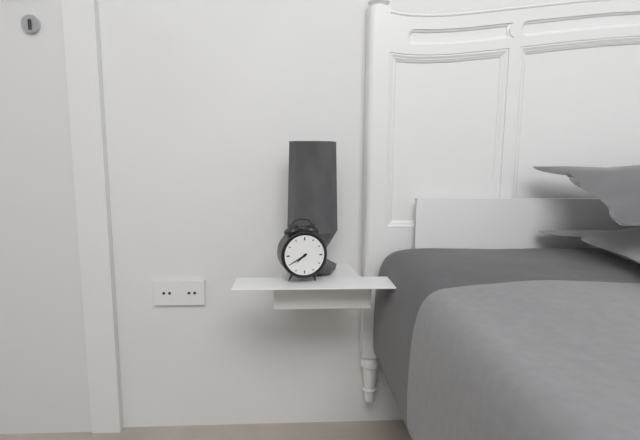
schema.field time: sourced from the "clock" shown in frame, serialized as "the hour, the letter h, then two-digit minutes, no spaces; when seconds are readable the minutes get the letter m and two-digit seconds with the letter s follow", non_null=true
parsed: 7h40
